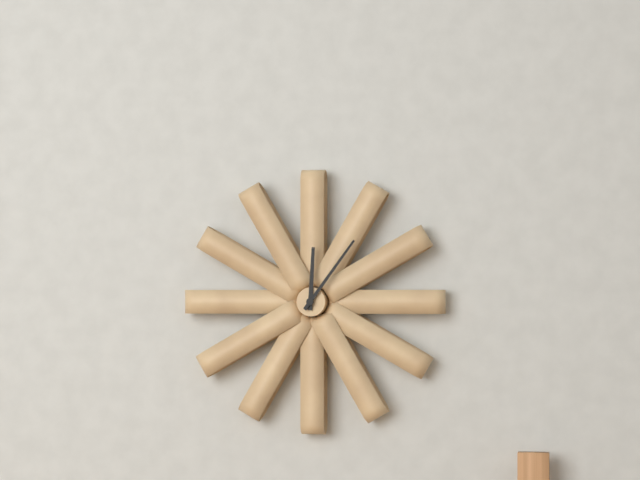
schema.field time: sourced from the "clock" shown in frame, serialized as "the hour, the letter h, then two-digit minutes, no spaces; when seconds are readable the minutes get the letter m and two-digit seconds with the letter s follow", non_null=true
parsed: 12h06
